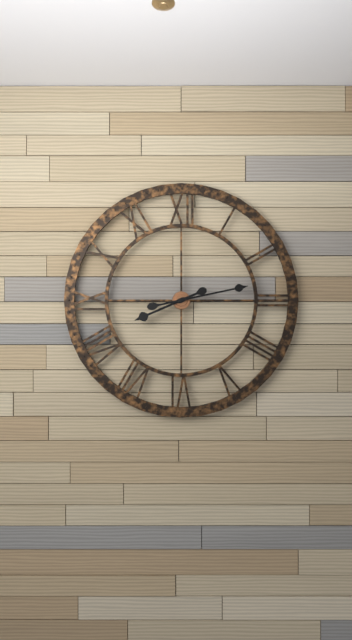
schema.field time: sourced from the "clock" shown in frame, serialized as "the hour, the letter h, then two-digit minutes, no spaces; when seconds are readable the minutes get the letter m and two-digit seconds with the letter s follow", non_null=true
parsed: 8h13
